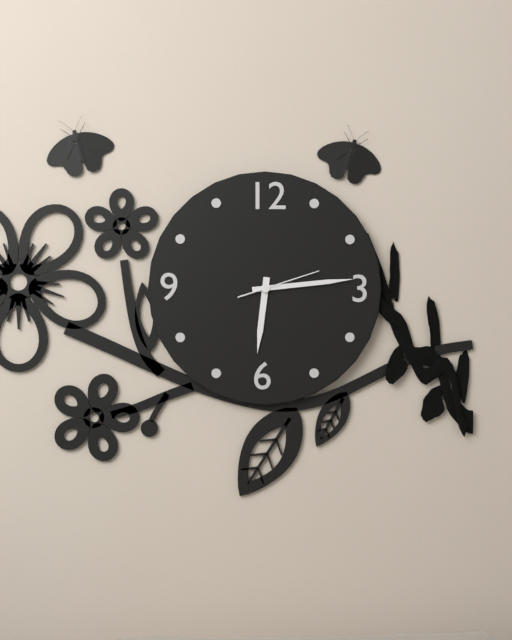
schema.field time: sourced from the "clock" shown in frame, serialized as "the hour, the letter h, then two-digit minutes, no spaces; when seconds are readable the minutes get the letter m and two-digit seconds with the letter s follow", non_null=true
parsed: 6h14m12s
